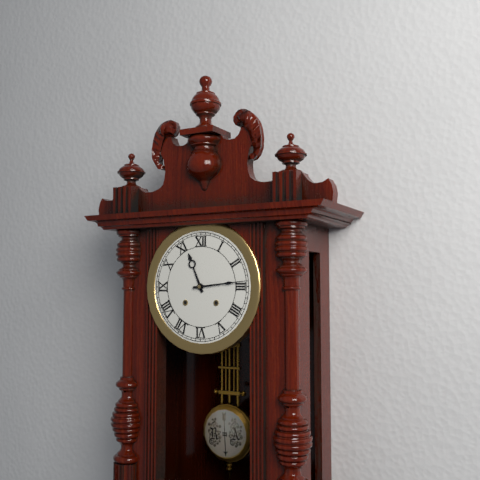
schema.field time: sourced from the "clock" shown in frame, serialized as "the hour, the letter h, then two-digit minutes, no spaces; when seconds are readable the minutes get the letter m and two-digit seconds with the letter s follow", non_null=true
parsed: 11h14
